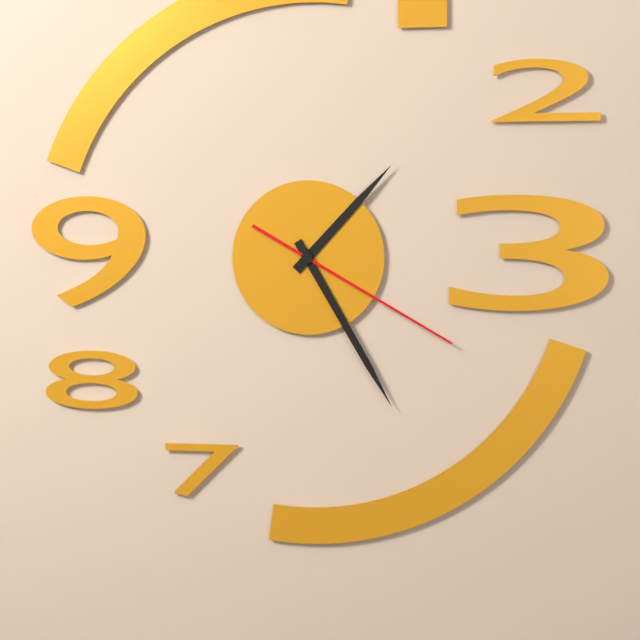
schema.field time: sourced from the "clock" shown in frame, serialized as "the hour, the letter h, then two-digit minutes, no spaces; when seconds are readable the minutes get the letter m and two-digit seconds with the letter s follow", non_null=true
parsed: 1h25m20s
